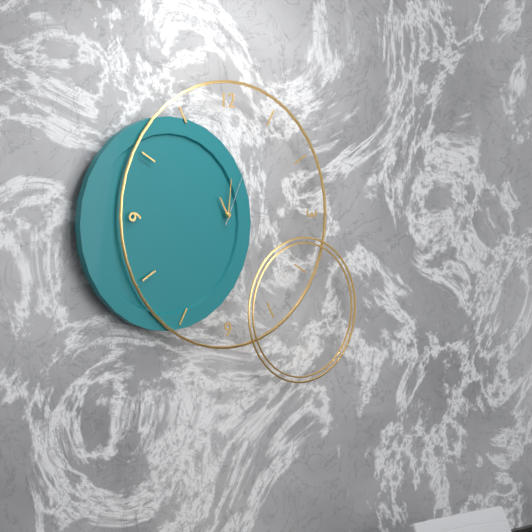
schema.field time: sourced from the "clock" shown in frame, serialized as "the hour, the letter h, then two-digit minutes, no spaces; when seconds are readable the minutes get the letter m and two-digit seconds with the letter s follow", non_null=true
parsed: 11h01m04s
